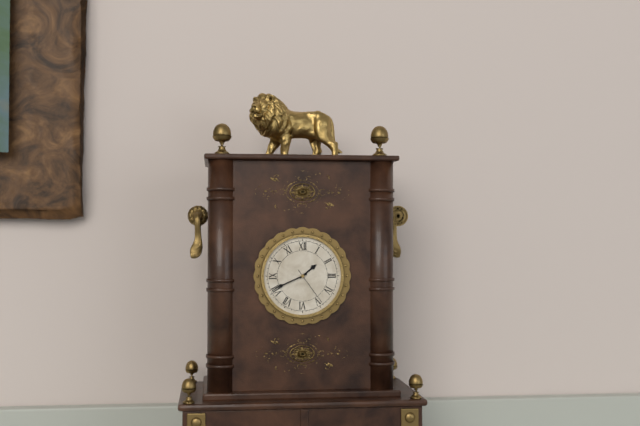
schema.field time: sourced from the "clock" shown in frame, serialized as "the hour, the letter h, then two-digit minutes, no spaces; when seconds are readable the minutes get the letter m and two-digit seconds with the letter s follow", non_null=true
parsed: 1h41
